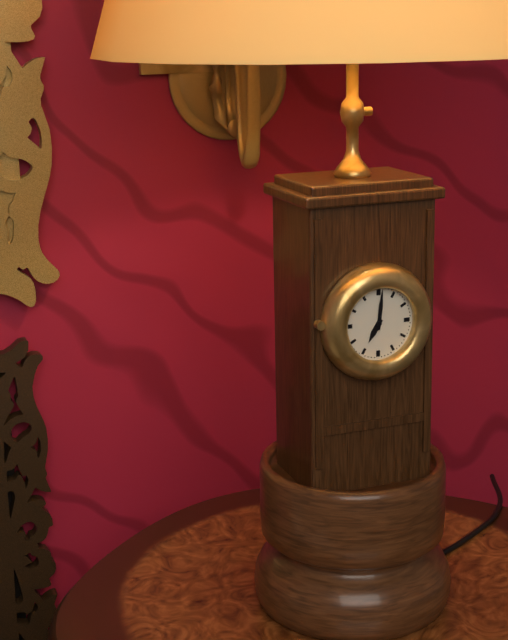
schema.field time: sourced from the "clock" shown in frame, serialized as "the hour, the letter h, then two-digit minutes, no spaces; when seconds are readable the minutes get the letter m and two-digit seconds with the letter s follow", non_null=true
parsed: 7h01
